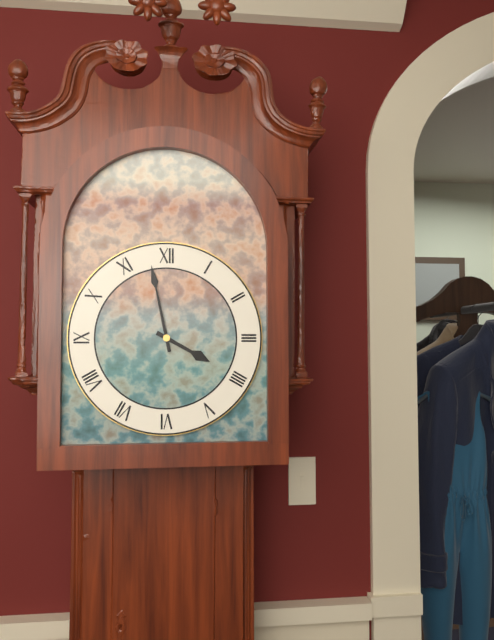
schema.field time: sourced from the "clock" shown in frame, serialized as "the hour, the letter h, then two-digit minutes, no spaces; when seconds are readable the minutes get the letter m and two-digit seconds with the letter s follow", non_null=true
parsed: 3h58
